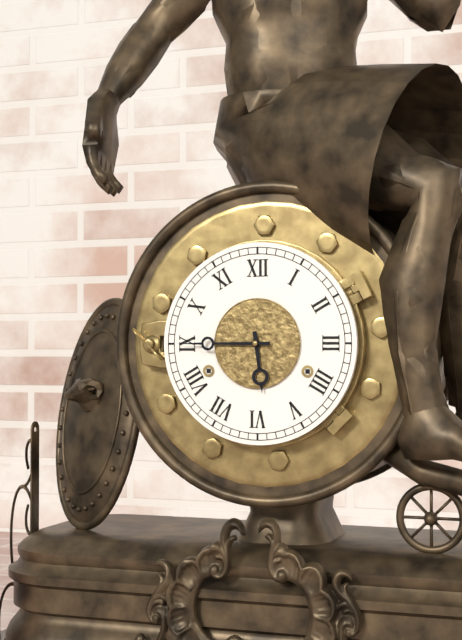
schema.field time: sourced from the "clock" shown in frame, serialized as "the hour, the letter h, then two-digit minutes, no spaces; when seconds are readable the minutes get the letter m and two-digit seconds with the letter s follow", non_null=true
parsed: 5h45
